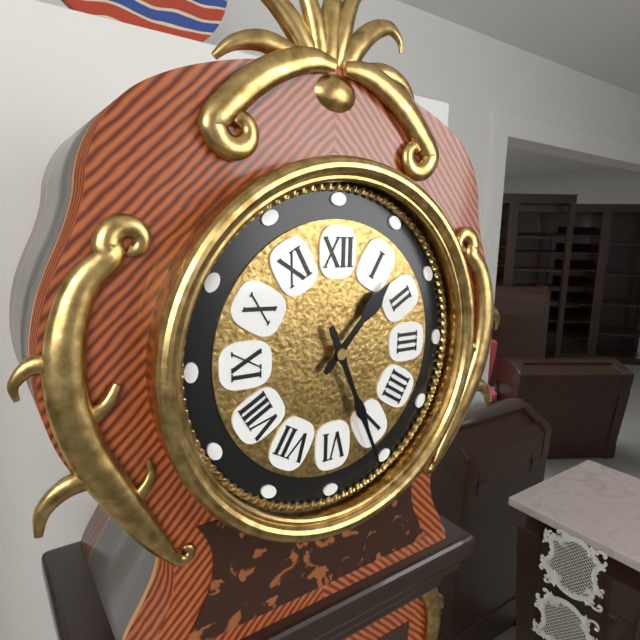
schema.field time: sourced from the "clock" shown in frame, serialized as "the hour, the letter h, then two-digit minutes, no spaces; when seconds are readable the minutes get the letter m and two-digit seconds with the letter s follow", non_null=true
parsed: 1h26
